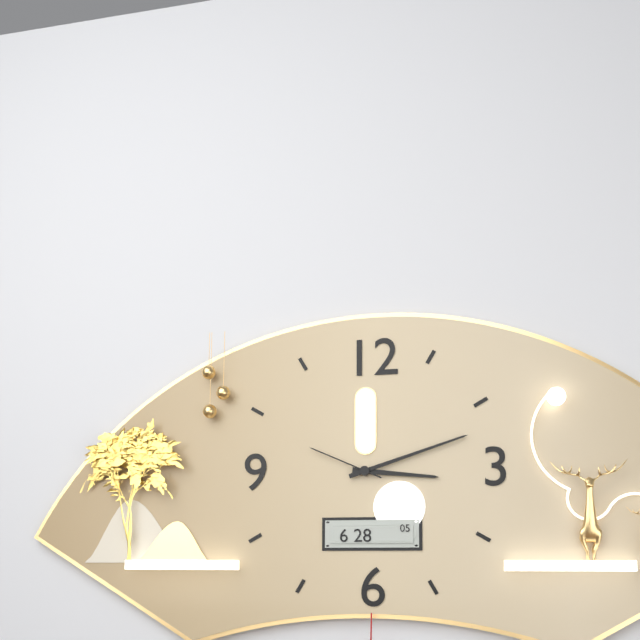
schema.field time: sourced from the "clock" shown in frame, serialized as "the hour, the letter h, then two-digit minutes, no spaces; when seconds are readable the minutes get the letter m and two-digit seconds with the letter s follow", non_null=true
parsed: 3h12m49s
